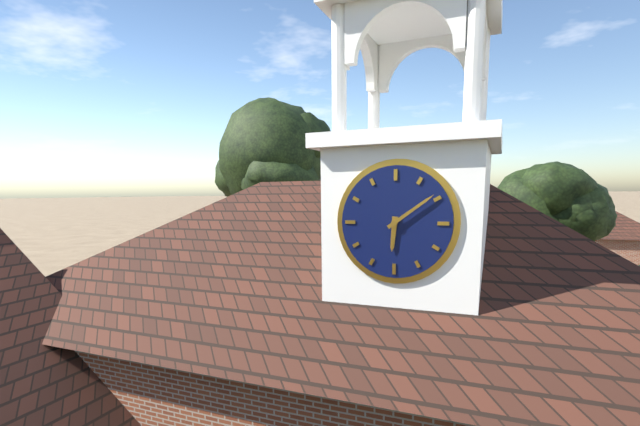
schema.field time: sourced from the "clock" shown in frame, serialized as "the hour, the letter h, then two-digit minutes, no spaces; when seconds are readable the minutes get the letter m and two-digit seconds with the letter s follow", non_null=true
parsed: 6h09
